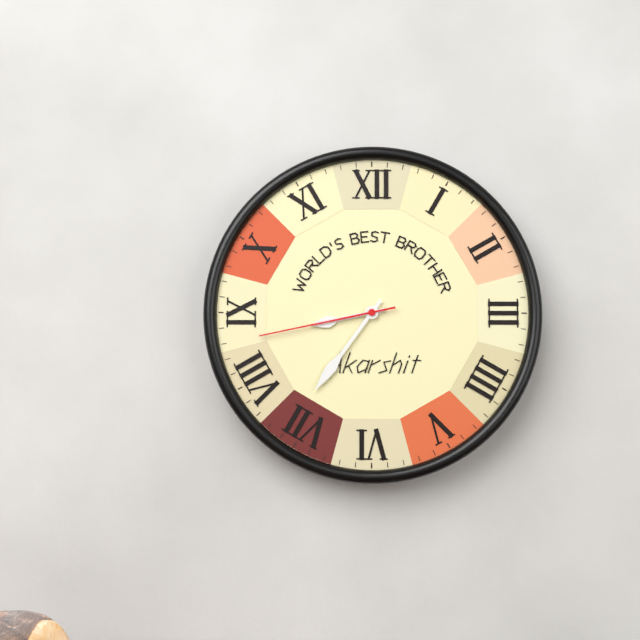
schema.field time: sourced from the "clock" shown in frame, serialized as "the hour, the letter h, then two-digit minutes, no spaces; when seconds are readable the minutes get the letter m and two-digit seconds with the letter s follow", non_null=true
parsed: 8h36m43s
